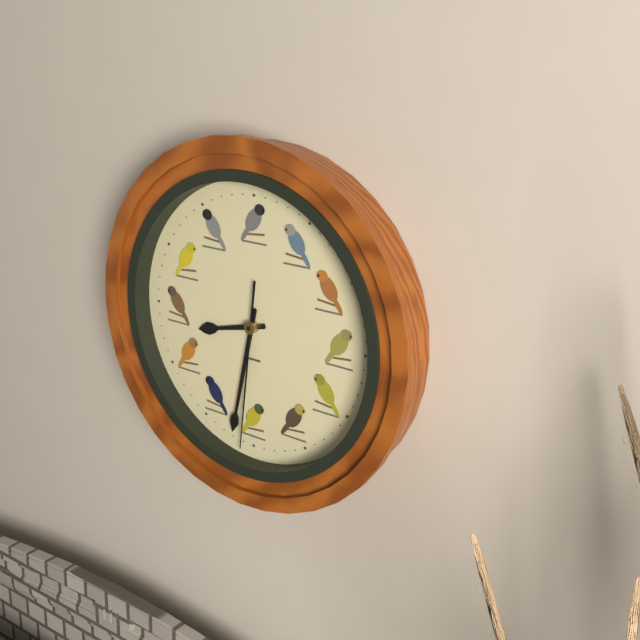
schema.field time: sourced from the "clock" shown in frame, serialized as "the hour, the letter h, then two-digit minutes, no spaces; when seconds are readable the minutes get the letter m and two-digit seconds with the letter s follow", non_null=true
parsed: 8h32m31s
